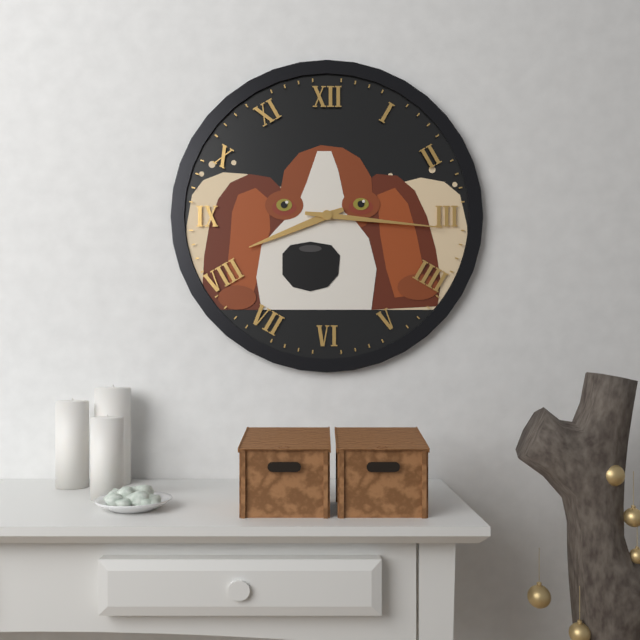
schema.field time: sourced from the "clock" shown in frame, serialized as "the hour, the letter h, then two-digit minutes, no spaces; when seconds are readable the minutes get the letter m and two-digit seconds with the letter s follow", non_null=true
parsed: 8h16
